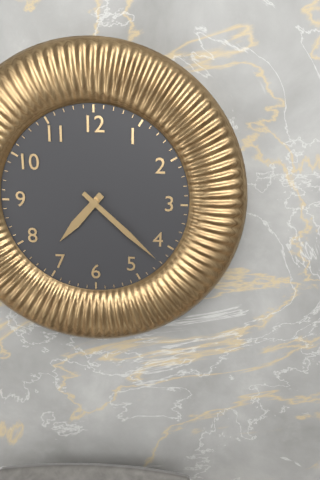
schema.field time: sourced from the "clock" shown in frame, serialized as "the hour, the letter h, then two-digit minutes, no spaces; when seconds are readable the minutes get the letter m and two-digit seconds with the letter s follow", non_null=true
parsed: 7h22
